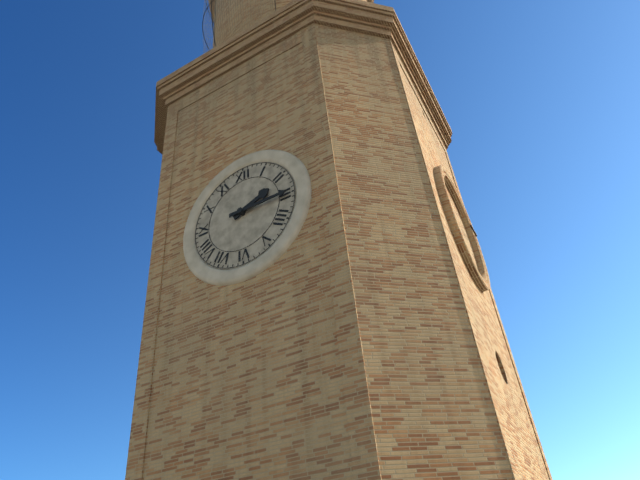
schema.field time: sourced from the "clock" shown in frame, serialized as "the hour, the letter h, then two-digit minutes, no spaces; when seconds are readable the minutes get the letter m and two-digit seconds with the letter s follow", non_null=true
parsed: 2h15
